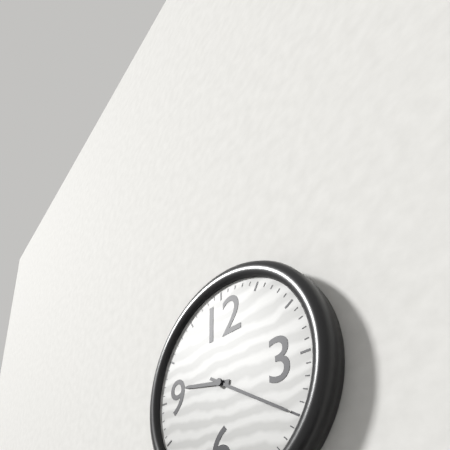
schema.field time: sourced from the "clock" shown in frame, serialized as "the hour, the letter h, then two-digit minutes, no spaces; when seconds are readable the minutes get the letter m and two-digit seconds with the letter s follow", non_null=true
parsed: 9h20
